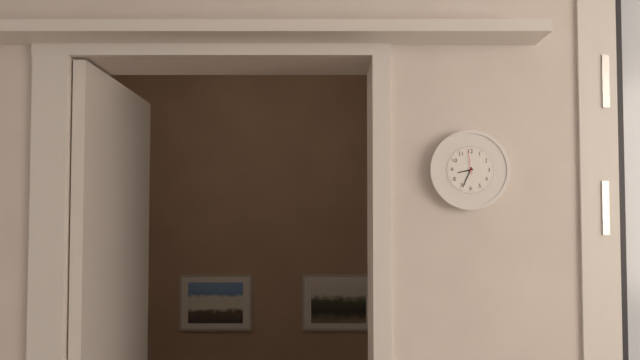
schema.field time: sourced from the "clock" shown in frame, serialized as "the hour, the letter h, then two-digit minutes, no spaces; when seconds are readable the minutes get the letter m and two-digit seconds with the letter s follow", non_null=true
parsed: 8h34
